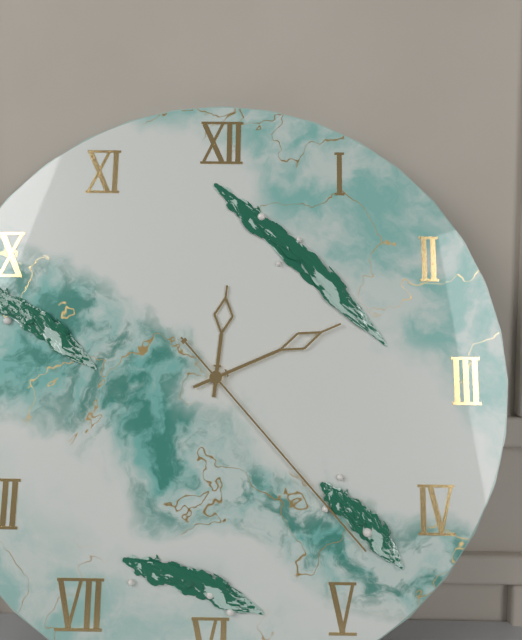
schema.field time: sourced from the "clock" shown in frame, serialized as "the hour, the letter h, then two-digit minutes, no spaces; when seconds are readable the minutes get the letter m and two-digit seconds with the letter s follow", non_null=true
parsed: 12h11m23s
